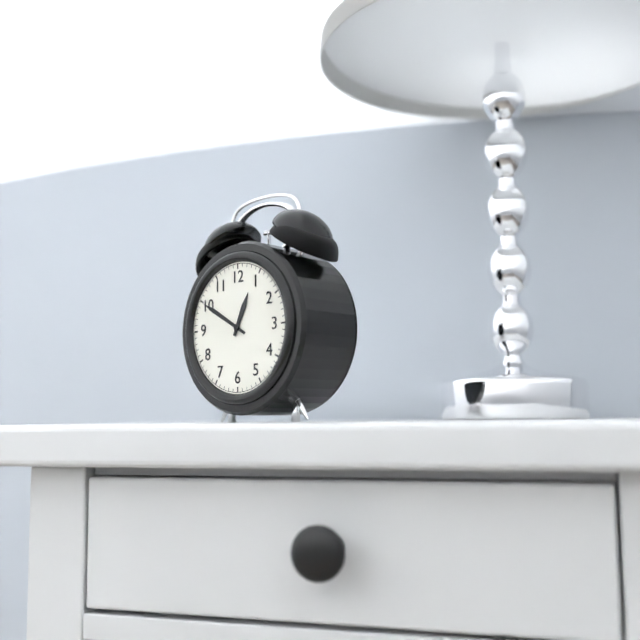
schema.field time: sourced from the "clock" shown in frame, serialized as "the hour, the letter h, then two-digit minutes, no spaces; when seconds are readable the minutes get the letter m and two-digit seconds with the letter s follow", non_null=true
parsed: 12h50
